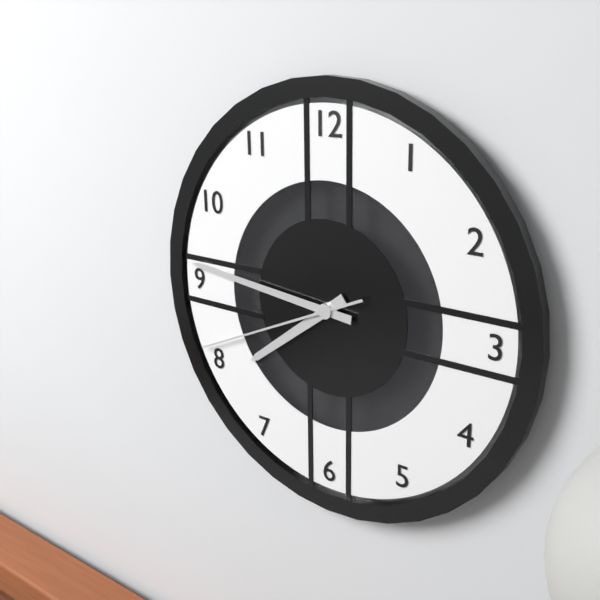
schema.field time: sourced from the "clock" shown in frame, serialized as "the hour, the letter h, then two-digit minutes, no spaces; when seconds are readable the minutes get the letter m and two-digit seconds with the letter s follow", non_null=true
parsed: 7h46m41s
